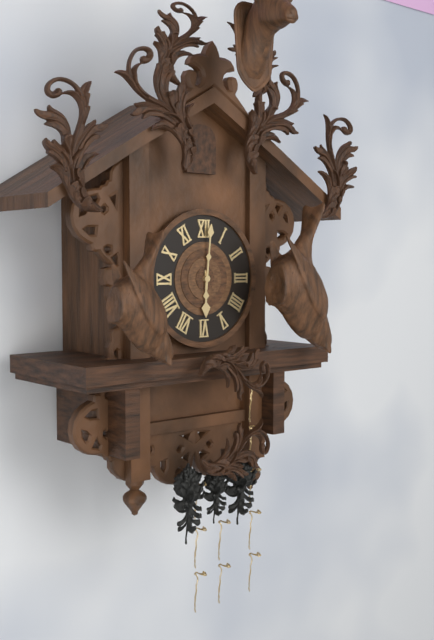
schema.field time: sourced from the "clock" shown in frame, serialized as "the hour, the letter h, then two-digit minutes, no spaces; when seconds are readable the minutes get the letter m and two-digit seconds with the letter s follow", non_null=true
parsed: 6h01
